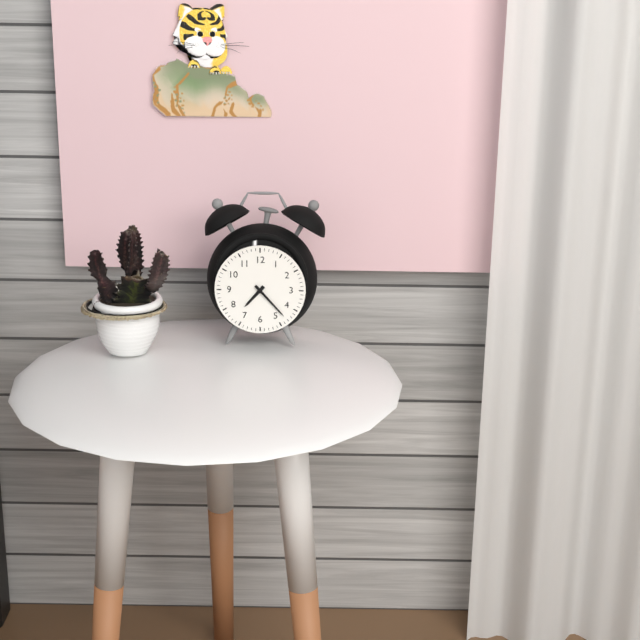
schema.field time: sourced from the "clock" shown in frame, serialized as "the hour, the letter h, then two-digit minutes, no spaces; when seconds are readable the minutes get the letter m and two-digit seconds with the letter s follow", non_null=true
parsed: 7h23
